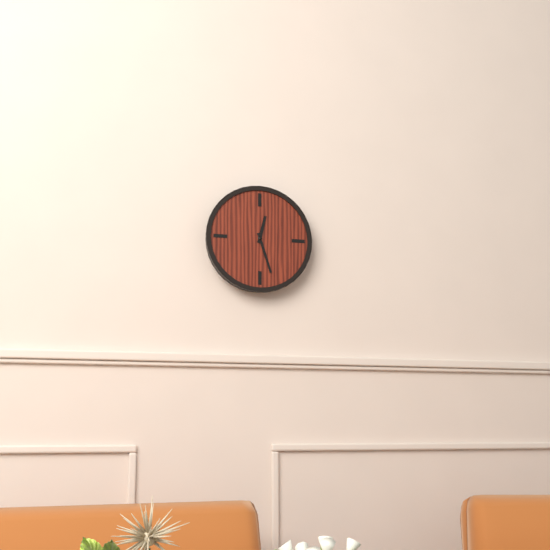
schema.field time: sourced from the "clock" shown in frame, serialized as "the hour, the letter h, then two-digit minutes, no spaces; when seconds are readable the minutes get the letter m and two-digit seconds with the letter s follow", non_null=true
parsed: 12h27
